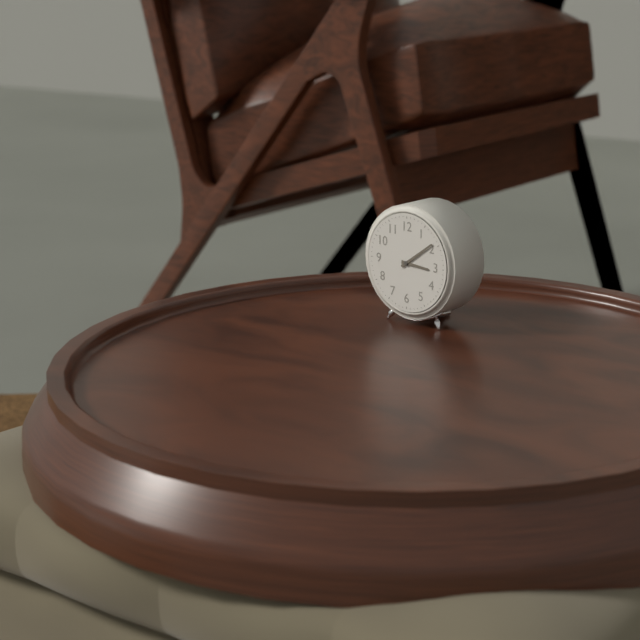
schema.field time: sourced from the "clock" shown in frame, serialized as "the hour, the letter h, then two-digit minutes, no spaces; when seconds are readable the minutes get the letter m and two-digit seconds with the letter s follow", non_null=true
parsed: 3h09
